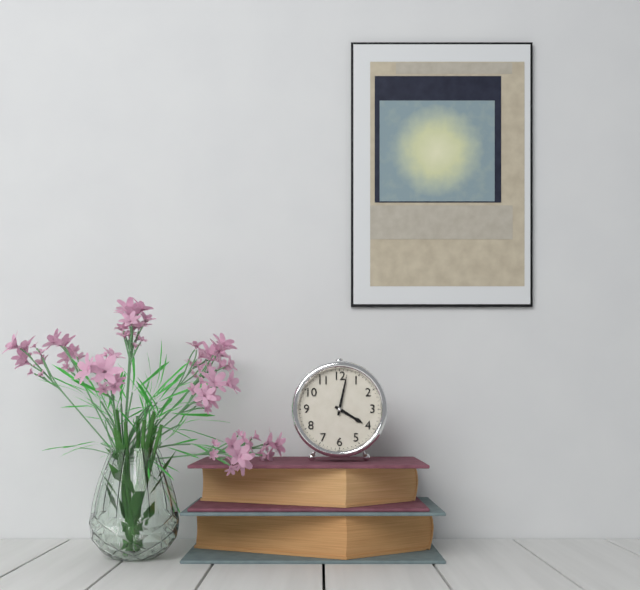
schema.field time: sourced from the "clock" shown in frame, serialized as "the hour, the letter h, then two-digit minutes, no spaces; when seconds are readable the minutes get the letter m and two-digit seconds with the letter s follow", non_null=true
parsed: 4h02
